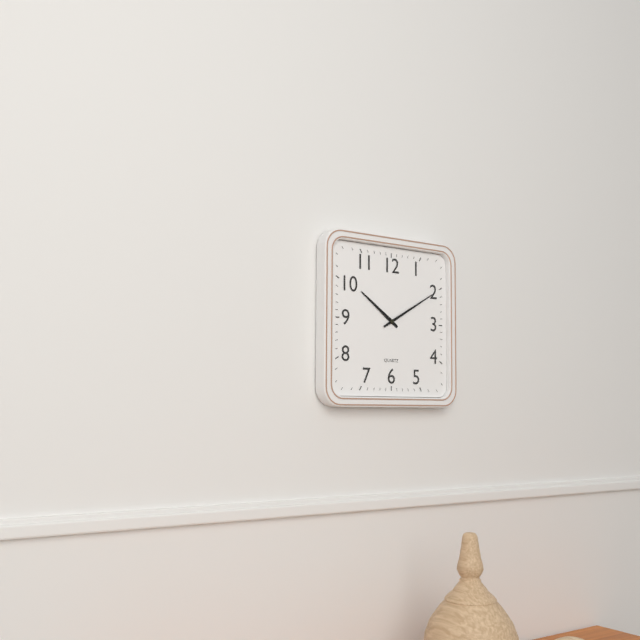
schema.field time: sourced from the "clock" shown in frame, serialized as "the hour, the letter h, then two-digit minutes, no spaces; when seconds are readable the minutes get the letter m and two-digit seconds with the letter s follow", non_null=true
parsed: 10h10
